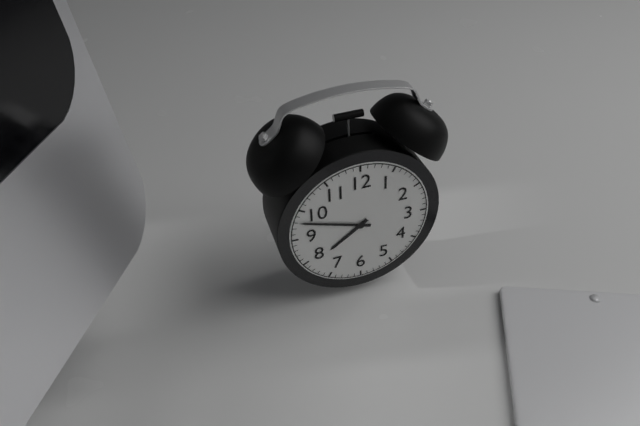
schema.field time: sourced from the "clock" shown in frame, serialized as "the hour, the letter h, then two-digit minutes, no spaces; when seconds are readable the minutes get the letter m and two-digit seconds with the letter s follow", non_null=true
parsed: 7h48
